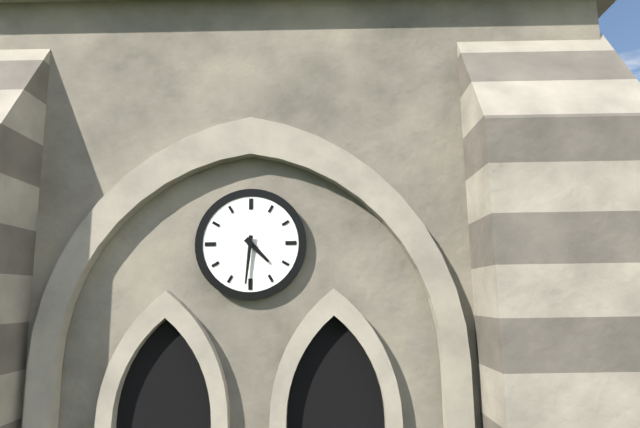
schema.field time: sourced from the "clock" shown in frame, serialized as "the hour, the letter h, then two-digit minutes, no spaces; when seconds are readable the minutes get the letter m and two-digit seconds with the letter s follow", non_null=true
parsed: 4h31
